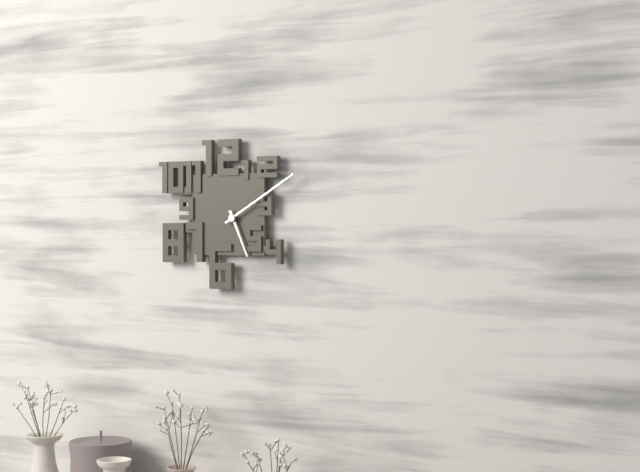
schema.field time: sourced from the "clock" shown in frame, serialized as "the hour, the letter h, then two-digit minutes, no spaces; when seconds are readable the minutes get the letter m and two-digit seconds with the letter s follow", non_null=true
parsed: 5h10
